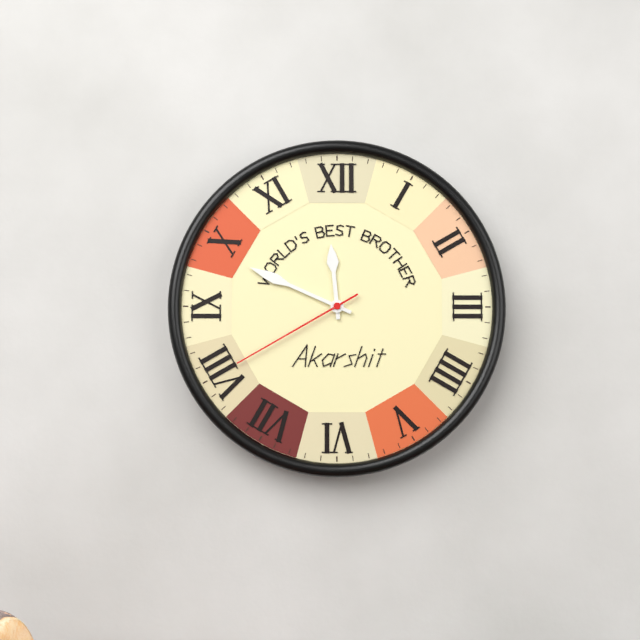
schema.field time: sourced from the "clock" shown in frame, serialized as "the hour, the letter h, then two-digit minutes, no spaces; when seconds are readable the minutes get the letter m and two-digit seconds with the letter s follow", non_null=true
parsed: 11h49m40s
